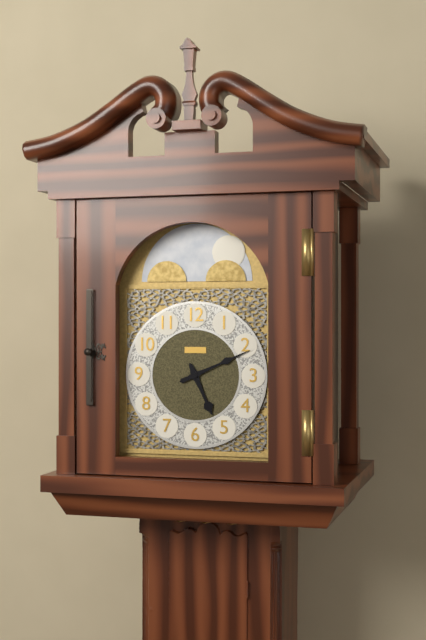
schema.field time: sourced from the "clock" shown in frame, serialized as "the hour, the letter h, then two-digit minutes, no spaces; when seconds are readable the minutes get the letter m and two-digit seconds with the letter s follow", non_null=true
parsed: 5h11
